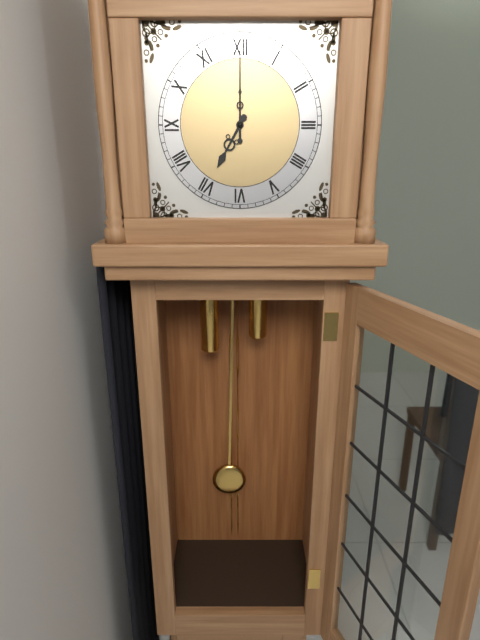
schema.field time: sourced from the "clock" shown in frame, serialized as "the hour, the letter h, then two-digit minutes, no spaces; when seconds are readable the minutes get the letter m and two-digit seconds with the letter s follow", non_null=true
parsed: 7h00
